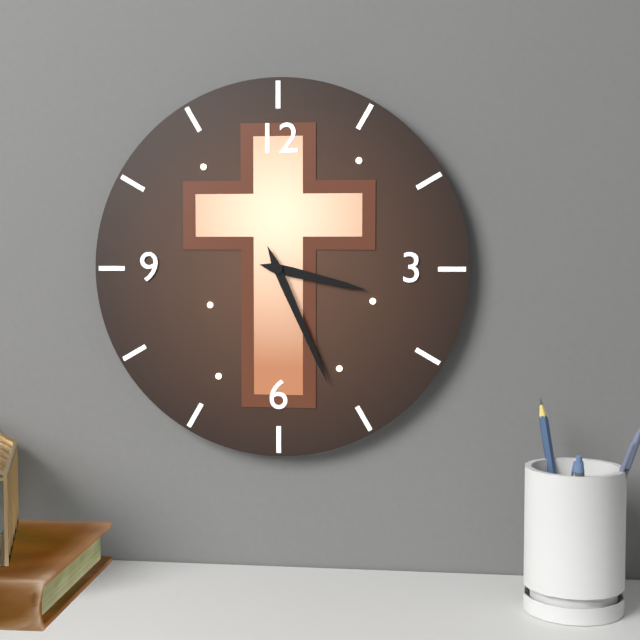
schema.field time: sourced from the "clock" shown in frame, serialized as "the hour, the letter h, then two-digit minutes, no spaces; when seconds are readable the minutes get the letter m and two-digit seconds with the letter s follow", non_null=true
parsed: 3h26
